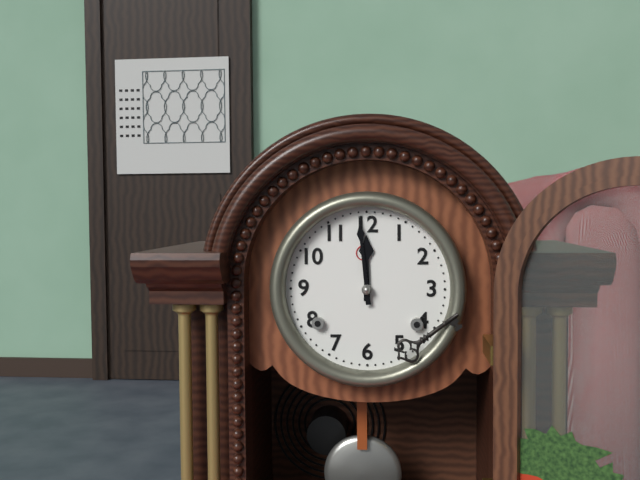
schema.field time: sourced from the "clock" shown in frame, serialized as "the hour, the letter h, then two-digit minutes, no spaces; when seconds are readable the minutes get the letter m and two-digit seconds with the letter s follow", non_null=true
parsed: 11h59
